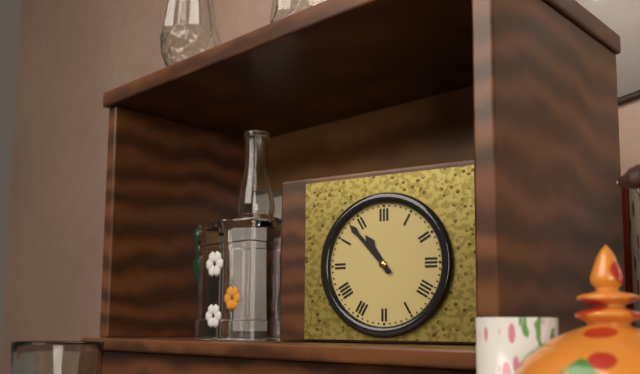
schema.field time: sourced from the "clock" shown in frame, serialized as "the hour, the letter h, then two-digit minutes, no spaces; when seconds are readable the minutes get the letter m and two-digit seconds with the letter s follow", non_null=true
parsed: 10h53
